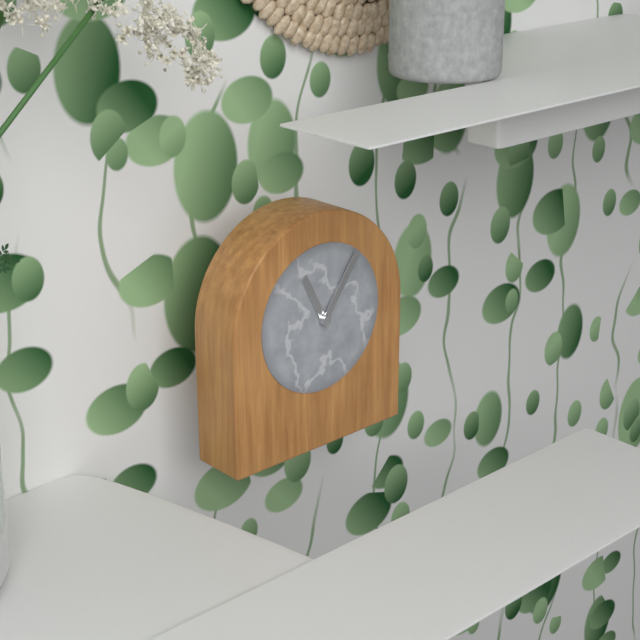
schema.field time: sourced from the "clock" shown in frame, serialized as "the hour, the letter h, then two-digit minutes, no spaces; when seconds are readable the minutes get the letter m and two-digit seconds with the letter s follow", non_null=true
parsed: 11h06
